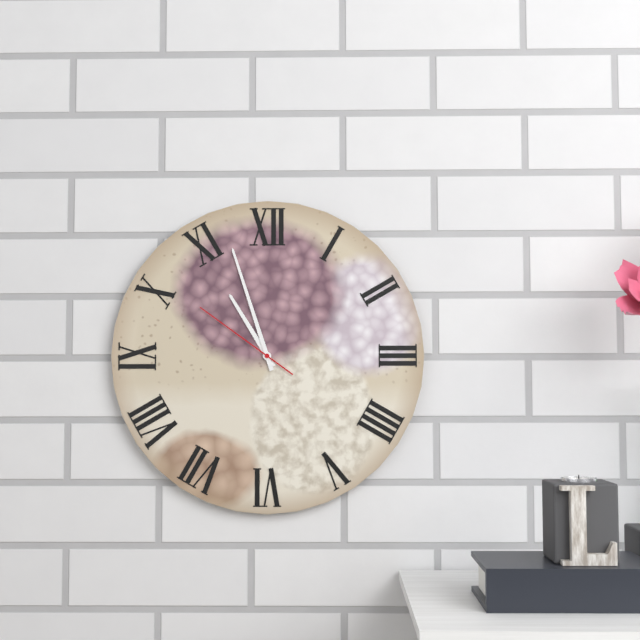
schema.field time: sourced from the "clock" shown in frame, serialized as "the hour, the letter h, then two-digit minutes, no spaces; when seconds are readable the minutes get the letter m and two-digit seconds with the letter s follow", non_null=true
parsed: 10h57m51s
